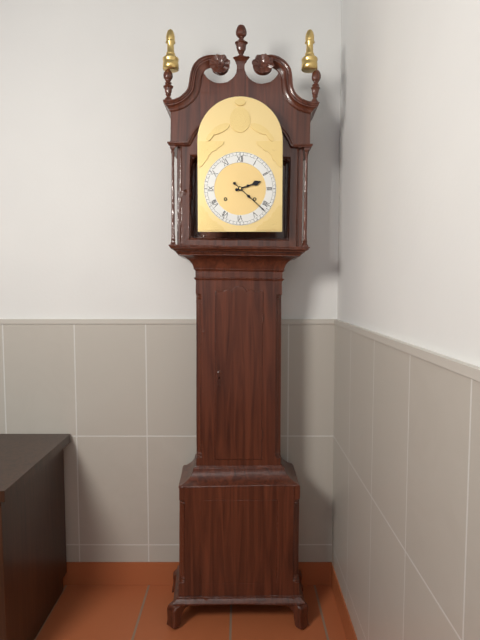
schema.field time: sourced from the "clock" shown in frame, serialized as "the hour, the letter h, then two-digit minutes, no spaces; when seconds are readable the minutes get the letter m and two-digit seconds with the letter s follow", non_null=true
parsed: 2h22
